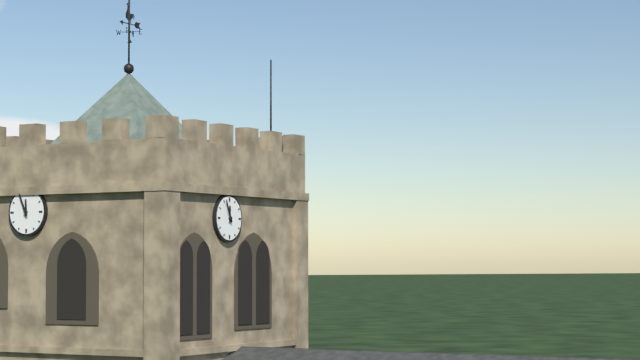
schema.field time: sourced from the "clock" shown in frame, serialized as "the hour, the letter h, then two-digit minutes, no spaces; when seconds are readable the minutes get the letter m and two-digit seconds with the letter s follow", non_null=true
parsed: 11h56
